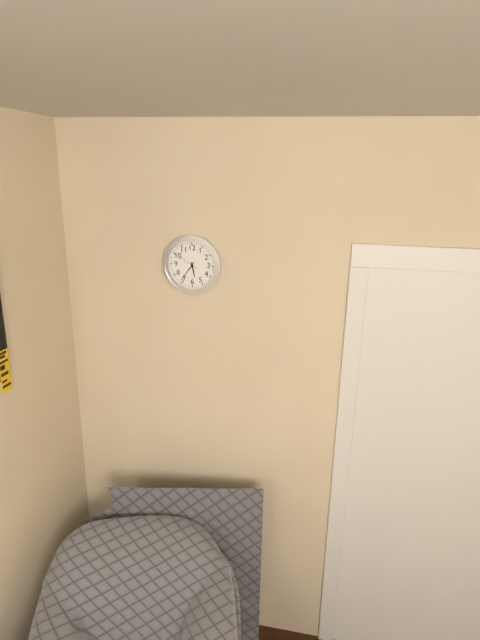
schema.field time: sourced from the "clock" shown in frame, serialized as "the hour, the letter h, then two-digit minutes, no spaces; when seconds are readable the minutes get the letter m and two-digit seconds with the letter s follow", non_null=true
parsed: 5h36
